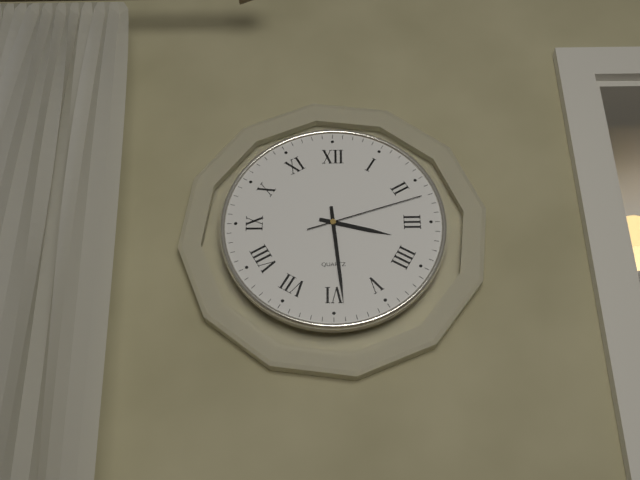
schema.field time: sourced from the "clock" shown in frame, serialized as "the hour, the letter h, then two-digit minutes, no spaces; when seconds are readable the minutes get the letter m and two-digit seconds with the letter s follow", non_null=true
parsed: 3h29m12s
